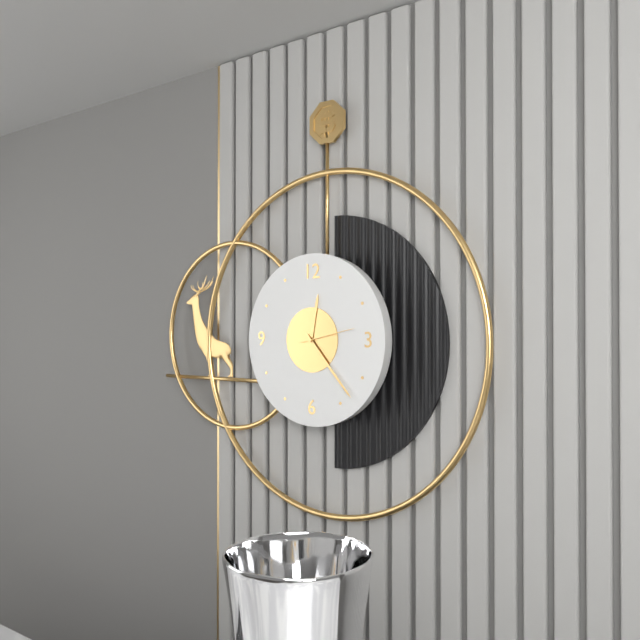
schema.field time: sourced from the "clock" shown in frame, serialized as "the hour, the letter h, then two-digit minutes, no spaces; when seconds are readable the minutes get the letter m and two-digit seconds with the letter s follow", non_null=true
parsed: 12h23m13s
